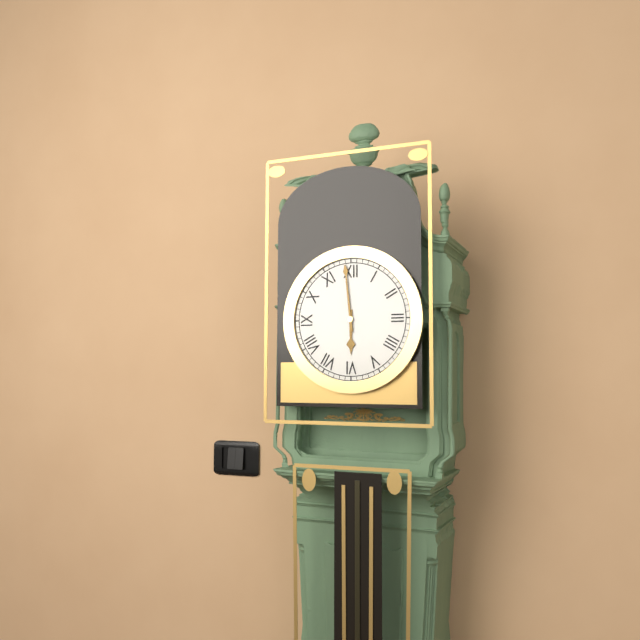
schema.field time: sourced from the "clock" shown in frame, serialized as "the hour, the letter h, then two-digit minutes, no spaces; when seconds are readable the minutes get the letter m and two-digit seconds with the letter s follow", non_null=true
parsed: 5h59
